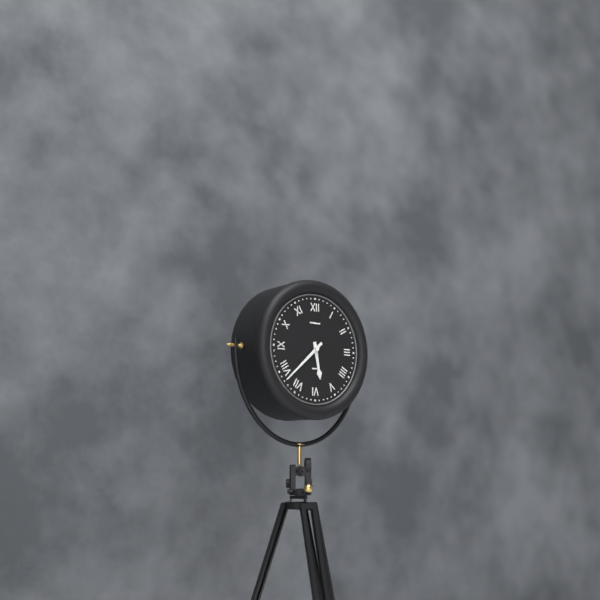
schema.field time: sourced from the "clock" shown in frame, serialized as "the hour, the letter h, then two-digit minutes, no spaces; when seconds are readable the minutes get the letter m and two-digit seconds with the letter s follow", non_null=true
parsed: 5h38
